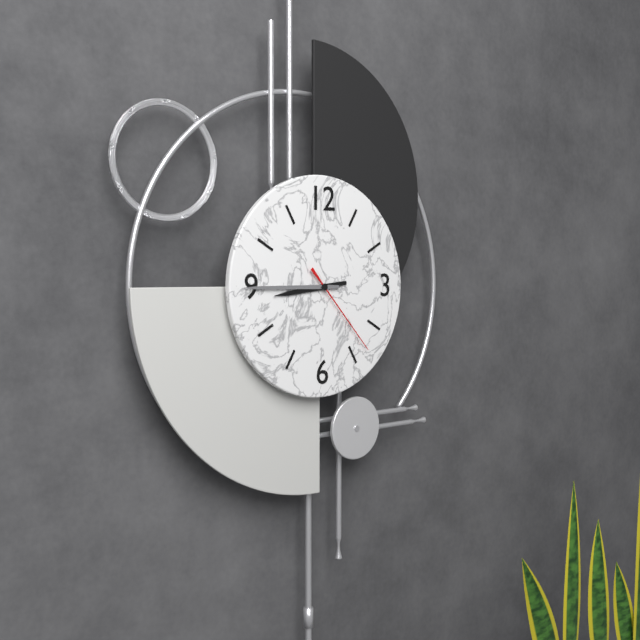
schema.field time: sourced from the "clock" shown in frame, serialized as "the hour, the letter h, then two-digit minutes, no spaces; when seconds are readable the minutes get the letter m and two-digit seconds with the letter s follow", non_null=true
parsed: 8h45m23s
